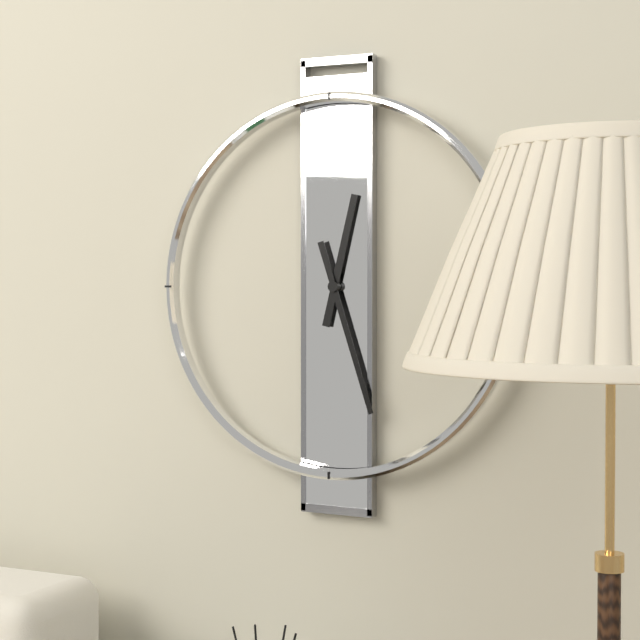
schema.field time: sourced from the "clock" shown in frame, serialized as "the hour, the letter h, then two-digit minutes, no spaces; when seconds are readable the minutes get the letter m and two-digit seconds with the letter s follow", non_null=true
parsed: 12h27
